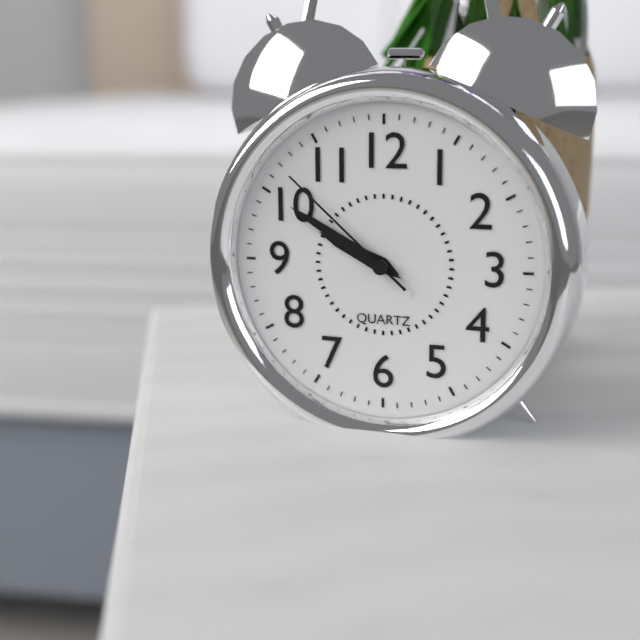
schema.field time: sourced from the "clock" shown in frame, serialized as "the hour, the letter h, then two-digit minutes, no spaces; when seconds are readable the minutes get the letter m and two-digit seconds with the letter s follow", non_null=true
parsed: 9h50m52s
